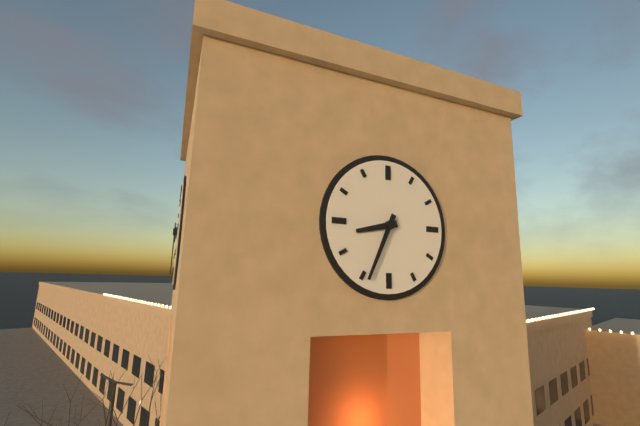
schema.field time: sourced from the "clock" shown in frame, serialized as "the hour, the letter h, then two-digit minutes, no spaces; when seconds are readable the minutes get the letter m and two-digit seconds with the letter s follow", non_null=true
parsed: 8h34
